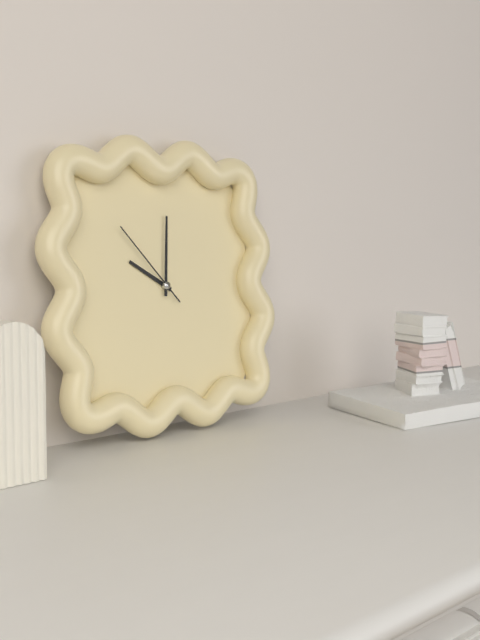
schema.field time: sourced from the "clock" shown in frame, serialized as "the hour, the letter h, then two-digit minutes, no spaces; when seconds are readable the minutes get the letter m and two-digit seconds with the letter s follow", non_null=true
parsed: 10h01m53s
